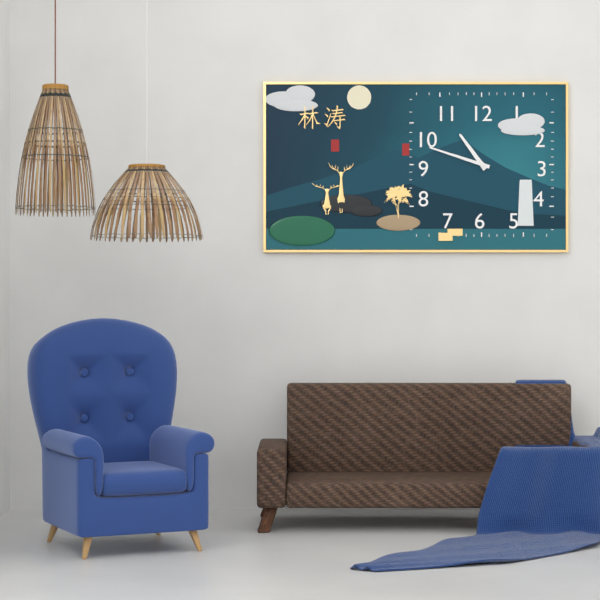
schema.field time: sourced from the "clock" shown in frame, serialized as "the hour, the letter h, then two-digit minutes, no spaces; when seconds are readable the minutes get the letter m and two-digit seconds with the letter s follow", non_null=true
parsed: 10h48
